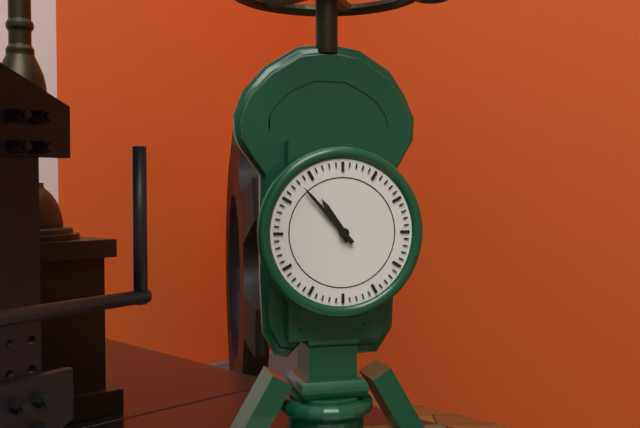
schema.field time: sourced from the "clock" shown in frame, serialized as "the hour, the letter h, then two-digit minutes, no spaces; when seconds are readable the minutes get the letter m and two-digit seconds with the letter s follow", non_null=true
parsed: 10h53
